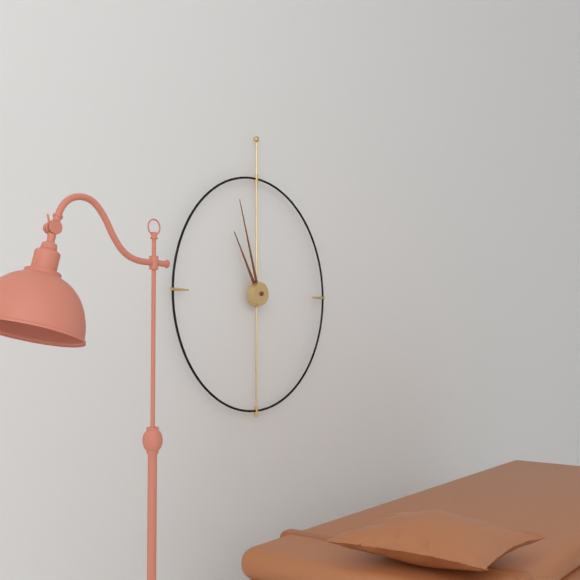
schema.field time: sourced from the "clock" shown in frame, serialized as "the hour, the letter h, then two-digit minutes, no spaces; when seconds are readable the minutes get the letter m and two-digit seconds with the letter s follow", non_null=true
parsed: 10h57
